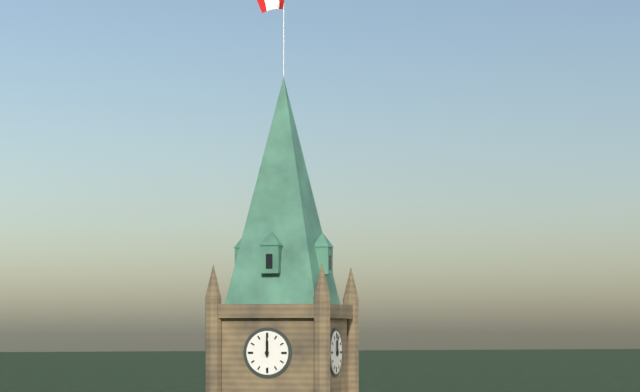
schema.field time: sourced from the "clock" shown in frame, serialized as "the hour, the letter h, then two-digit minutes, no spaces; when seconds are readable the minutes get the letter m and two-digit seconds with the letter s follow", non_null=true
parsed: 12h00
